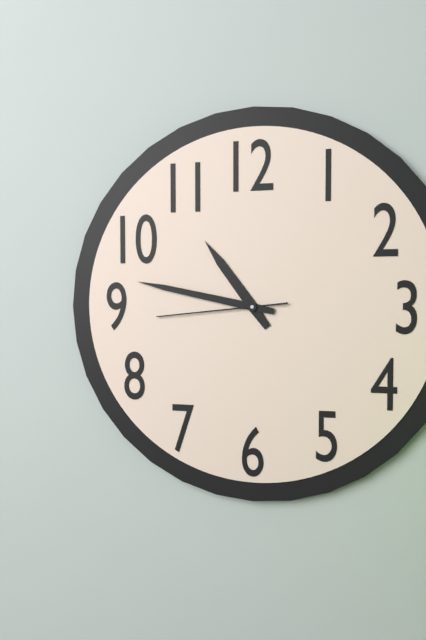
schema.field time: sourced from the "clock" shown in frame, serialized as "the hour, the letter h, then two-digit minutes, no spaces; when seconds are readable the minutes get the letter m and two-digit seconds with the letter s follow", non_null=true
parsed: 10h47m44s
